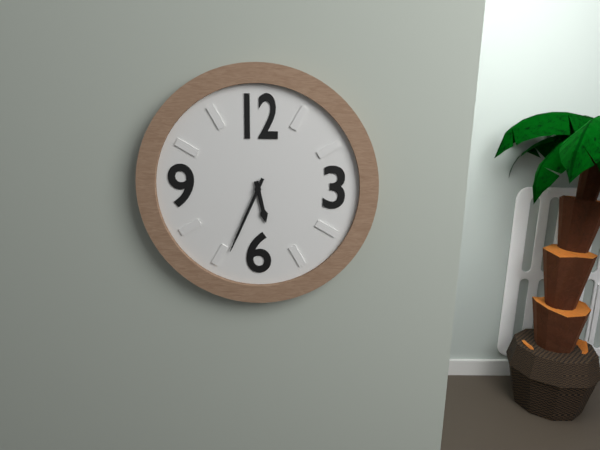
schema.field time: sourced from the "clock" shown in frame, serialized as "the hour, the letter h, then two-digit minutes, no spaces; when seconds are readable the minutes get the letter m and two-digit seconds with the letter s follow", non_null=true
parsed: 5h34
